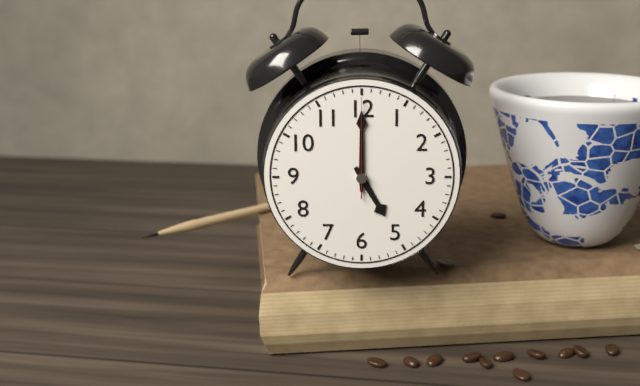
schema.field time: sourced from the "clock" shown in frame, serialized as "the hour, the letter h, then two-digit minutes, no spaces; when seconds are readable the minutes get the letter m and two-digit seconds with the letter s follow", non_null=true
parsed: 5h00m00s
